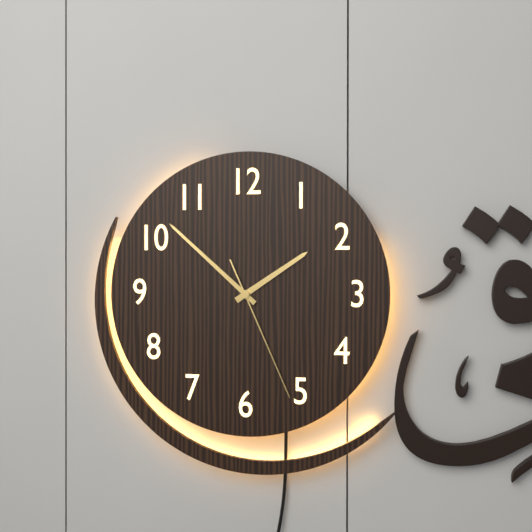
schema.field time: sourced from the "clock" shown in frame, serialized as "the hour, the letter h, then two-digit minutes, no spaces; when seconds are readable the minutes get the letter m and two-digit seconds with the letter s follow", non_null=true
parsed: 1h52m26s
